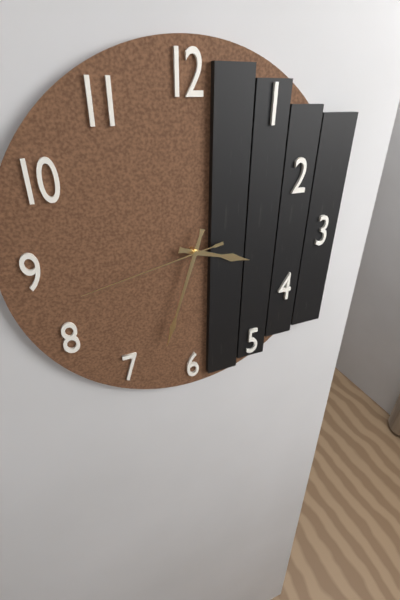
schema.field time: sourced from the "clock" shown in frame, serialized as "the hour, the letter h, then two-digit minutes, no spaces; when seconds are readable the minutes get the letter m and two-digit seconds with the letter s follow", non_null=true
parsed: 3h33m43s
